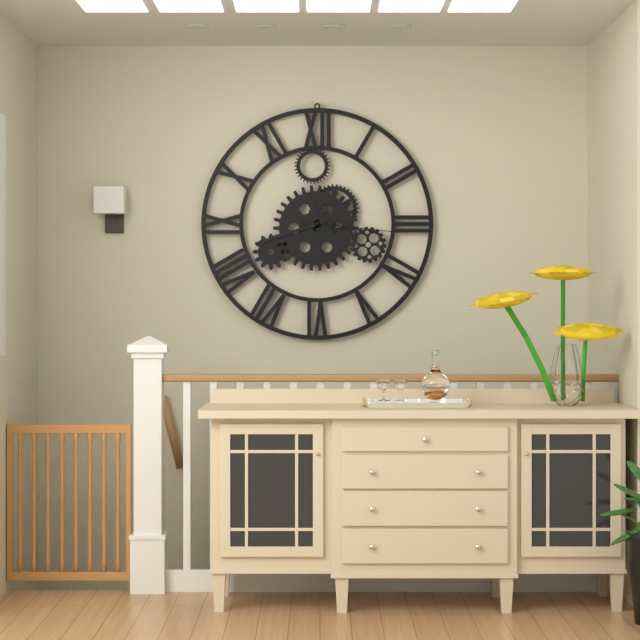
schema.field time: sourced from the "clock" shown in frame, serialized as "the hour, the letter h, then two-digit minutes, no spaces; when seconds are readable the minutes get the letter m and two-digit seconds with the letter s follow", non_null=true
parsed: 11h42m16s
